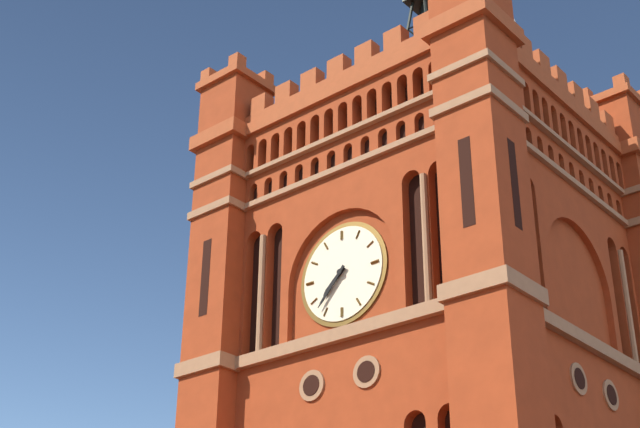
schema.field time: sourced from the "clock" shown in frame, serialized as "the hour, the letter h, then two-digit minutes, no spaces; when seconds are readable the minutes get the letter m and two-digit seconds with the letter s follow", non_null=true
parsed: 7h37
